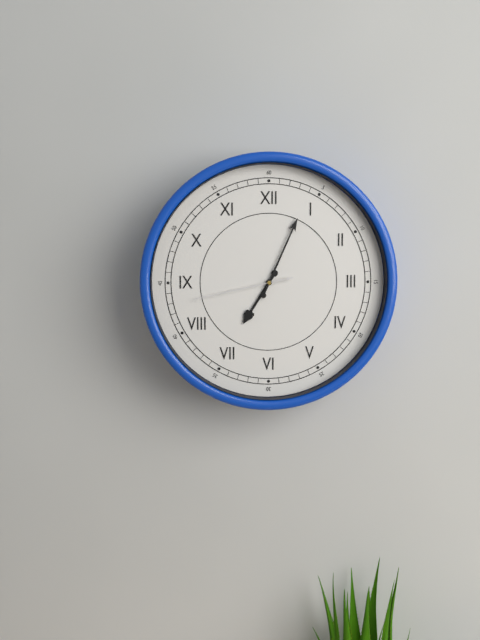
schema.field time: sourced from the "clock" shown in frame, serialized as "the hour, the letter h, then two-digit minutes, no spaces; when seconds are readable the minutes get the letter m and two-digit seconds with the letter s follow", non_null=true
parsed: 7h04m43s
